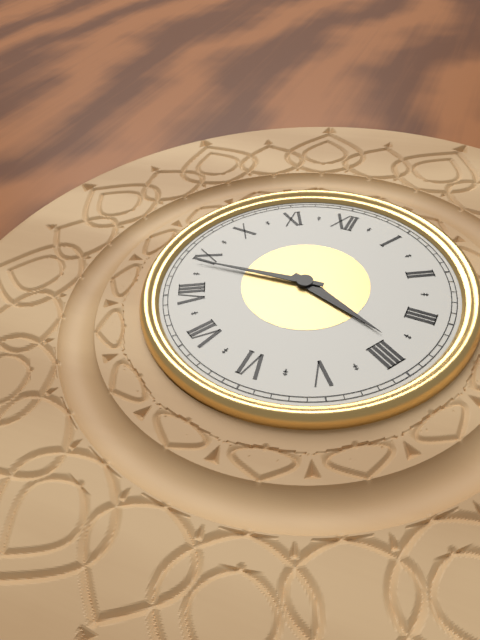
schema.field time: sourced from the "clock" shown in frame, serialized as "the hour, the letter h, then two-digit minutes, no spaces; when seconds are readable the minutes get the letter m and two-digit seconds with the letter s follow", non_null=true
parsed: 3h44
